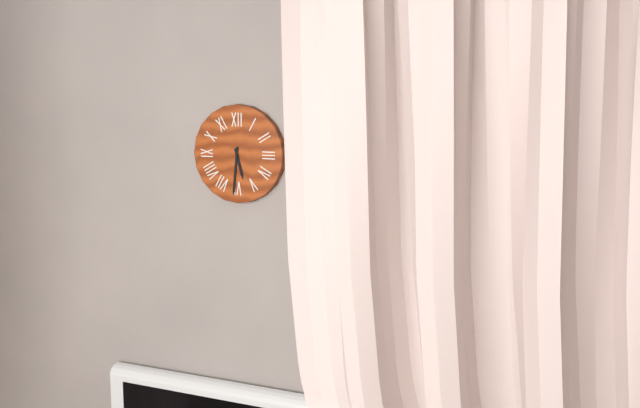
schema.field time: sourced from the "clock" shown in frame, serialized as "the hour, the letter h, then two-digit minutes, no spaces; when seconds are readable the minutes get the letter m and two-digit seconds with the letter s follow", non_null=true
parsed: 5h31
